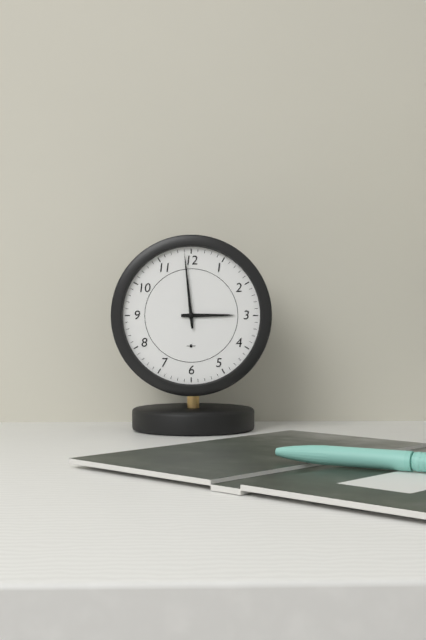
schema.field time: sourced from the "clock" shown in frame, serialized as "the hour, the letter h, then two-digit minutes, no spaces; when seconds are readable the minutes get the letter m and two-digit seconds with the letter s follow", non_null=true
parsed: 2h59
